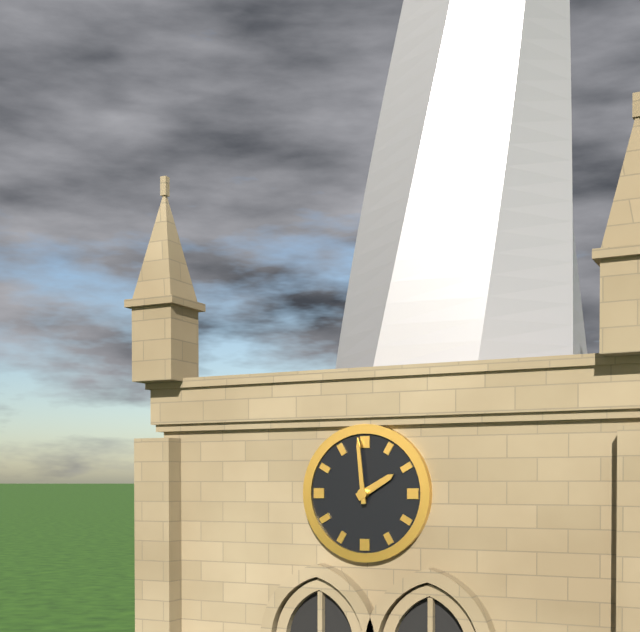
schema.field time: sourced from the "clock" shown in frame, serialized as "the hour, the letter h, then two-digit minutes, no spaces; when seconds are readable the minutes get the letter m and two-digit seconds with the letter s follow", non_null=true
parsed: 1h59
